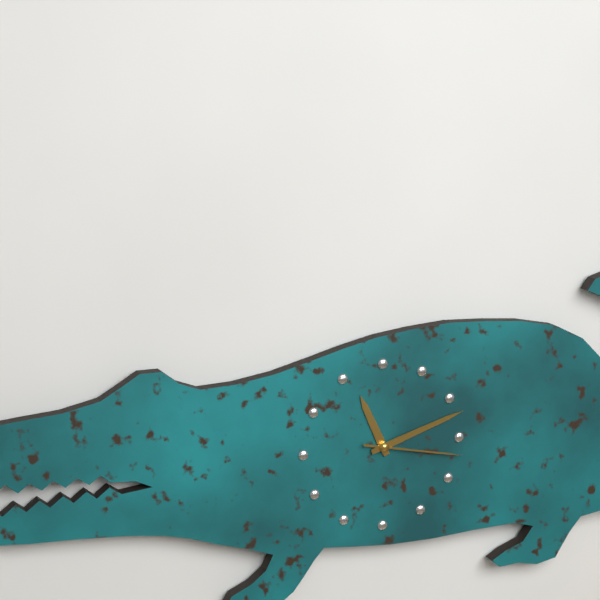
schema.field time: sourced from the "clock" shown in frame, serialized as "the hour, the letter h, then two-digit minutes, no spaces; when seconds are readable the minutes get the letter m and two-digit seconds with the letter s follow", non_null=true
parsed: 11h12m17s
